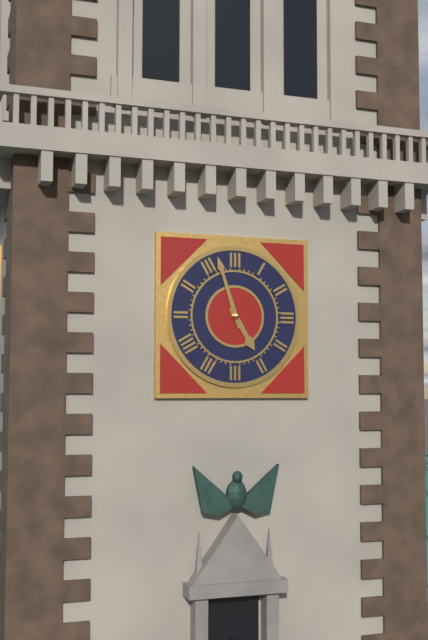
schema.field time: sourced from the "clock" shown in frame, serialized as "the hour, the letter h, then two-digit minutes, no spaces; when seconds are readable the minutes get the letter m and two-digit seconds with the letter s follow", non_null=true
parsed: 4h57
